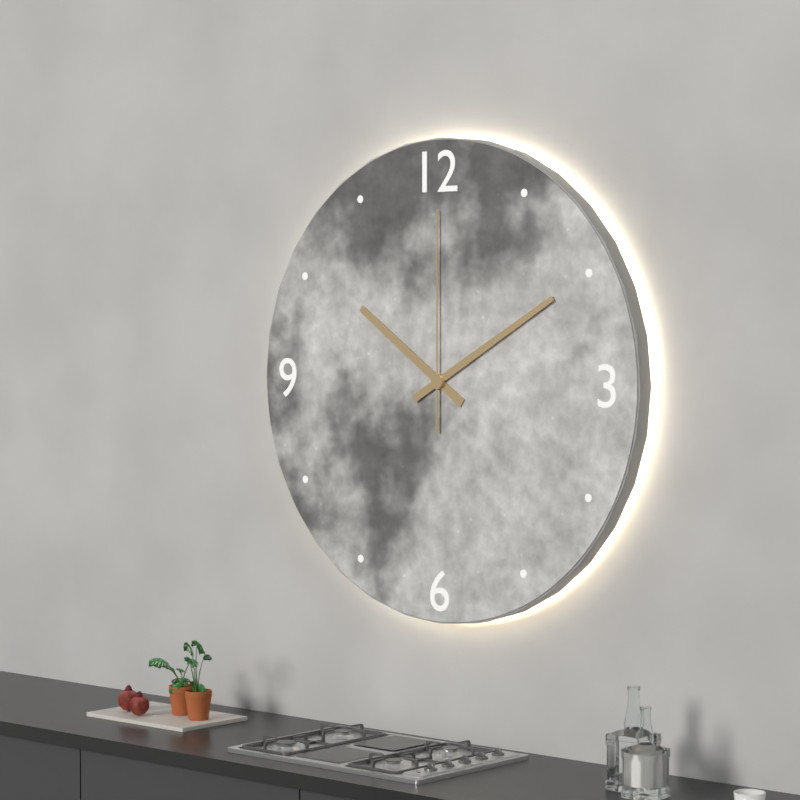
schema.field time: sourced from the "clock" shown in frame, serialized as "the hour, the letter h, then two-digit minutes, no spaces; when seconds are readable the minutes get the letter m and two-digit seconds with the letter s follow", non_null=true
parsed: 10h10m00s
